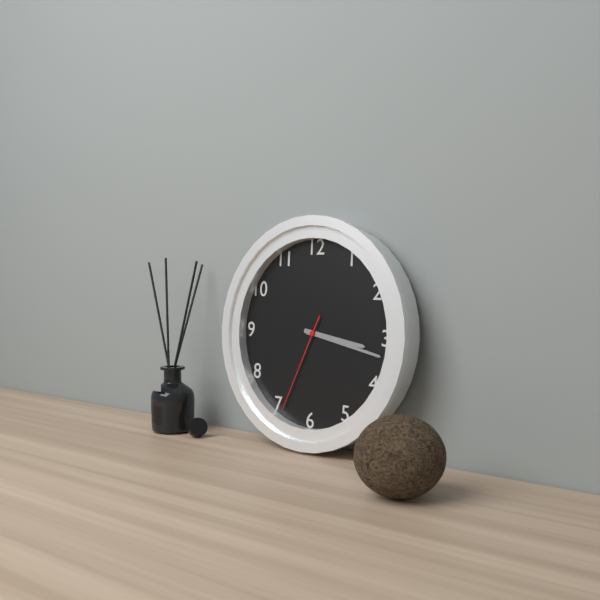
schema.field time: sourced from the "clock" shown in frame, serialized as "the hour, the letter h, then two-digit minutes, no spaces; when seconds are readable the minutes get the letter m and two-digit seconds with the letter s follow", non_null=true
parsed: 3h17m34s
